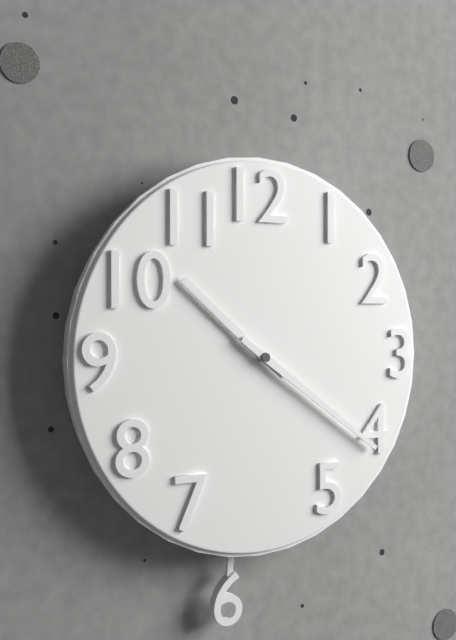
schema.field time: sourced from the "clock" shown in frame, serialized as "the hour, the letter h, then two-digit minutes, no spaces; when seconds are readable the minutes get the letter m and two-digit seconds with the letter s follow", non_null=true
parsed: 10h21
